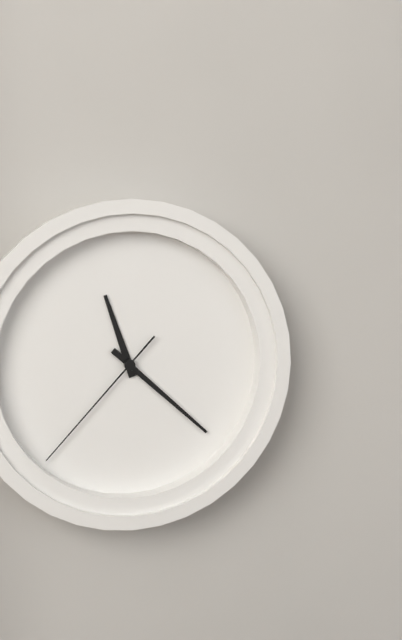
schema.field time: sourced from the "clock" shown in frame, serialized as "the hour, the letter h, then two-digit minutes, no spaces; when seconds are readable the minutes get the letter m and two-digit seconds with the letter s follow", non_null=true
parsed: 11h22m37s
